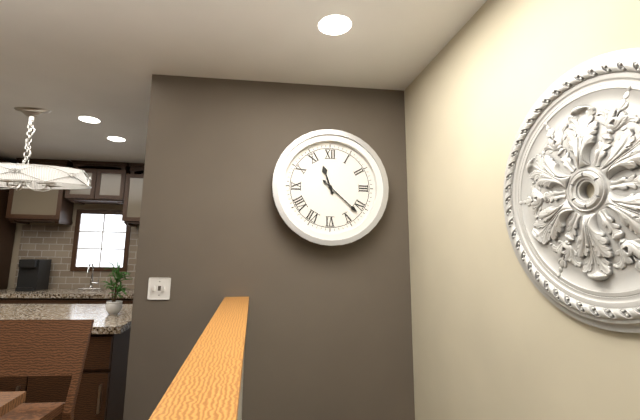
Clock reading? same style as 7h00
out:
11h22
